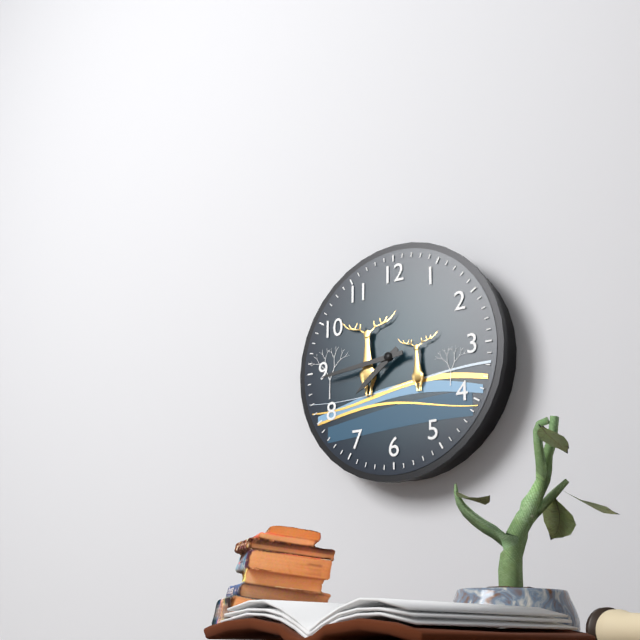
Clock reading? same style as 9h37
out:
7h44
